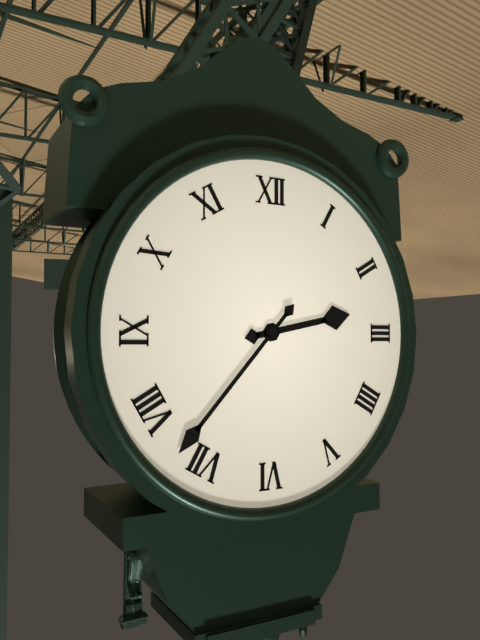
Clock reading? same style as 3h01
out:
2h37
